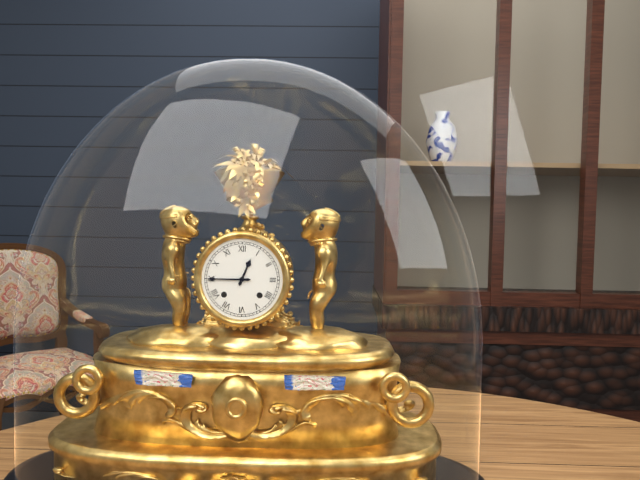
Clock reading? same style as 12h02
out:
12h45
